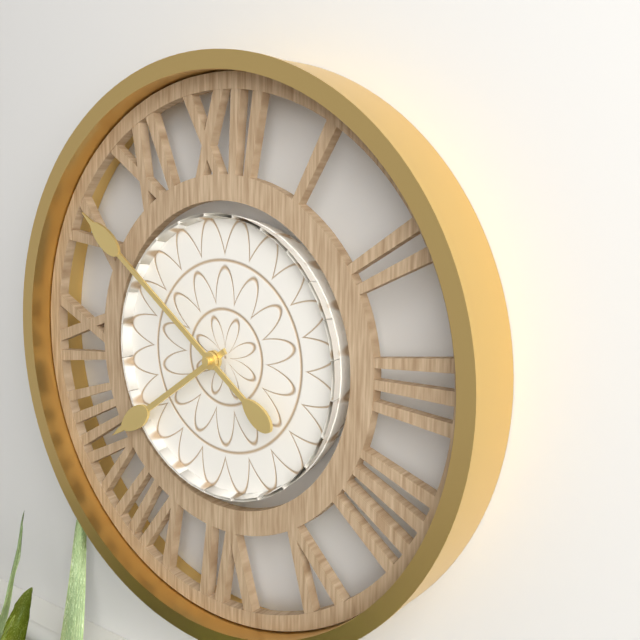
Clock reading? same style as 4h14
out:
7h51
